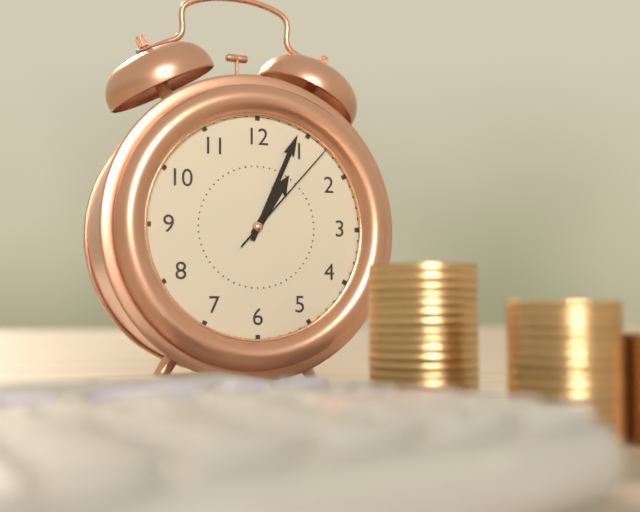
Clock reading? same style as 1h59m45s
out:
1h04m07s
